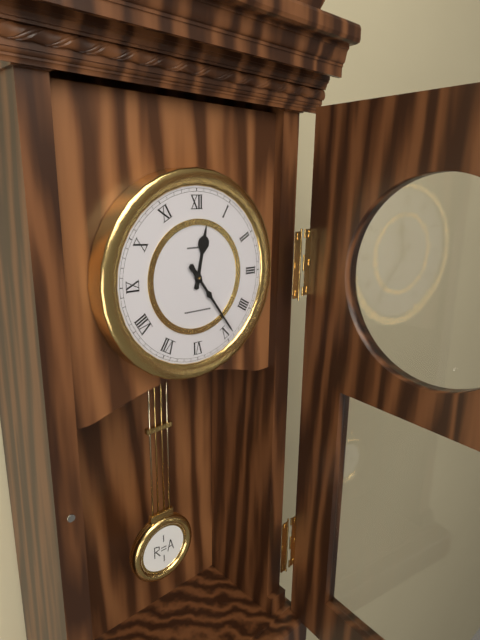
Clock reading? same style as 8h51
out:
12h24
